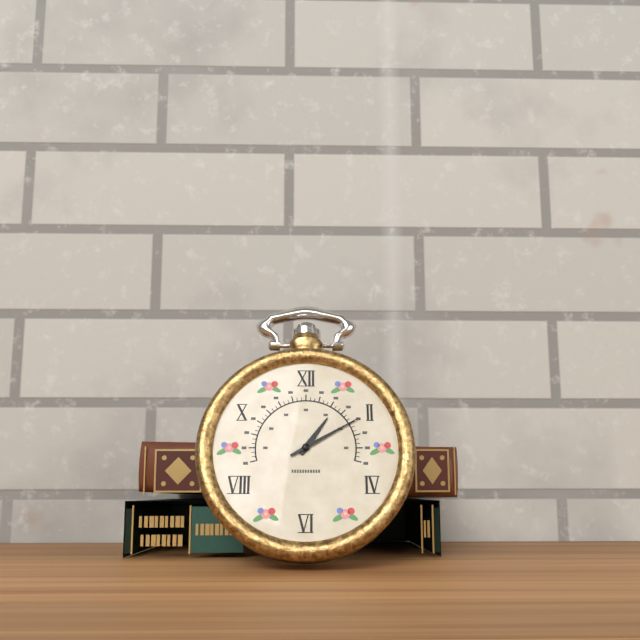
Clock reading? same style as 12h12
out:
1h10
